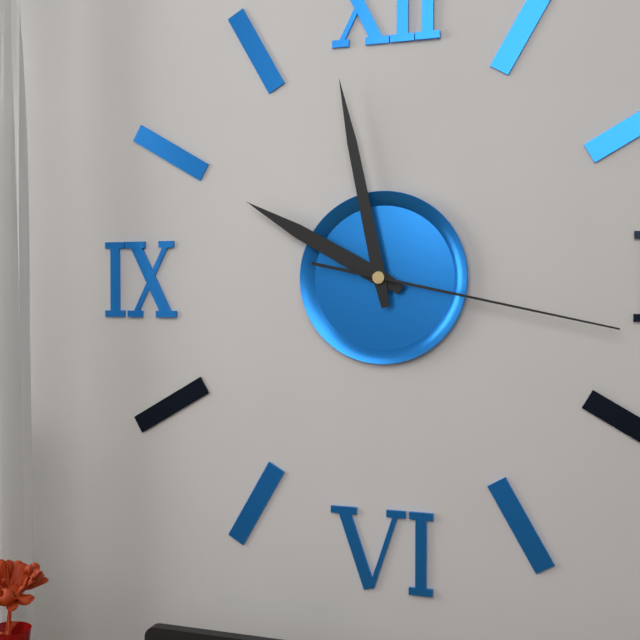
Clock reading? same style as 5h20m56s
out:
9h58m17s
